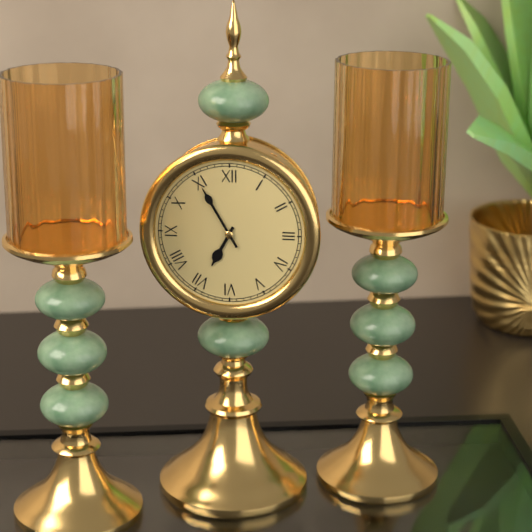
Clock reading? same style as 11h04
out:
6h55
